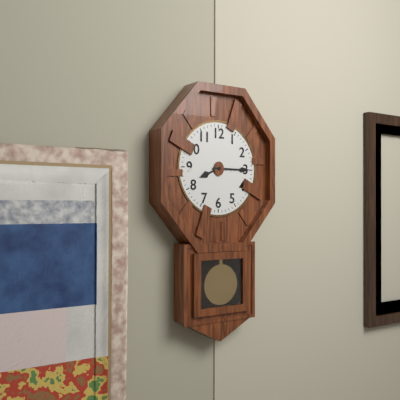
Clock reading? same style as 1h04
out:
8h15
